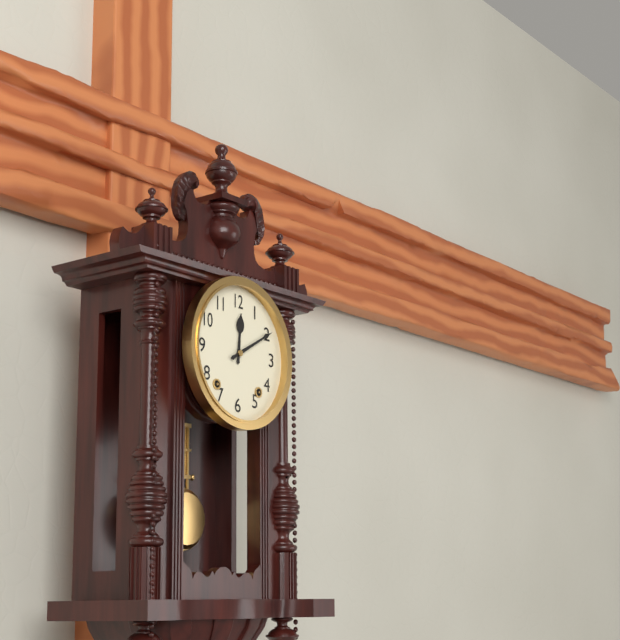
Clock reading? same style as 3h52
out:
12h10
